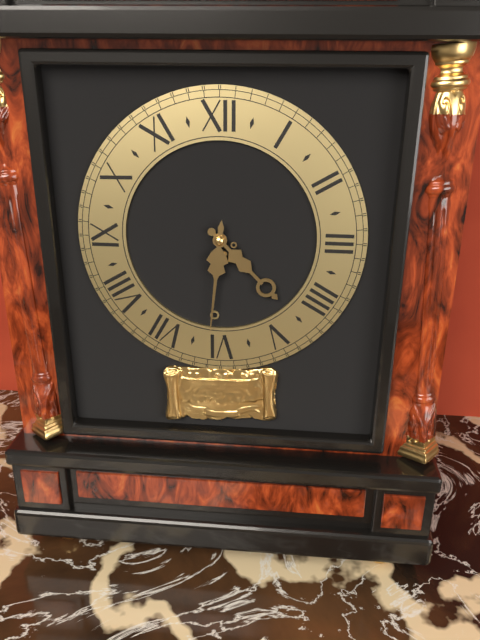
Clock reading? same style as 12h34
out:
4h31
